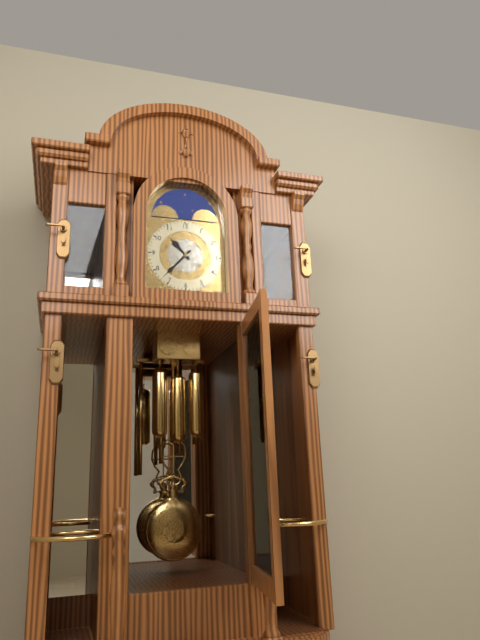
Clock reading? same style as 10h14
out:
10h37
